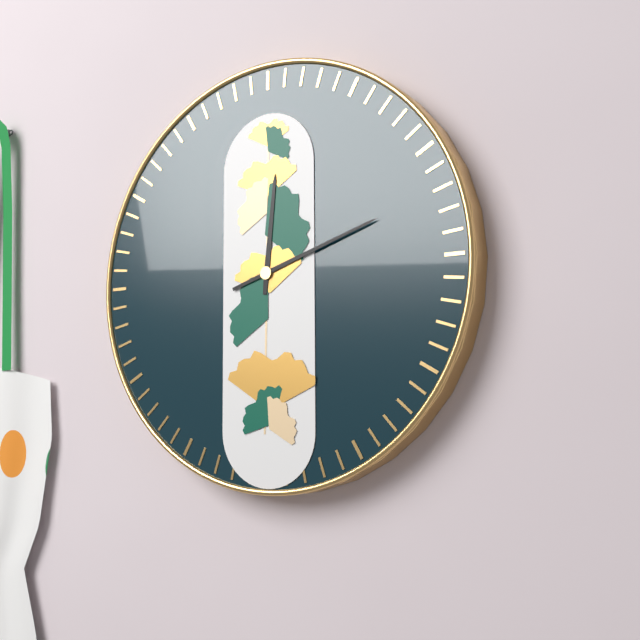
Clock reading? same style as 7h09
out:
12h12
